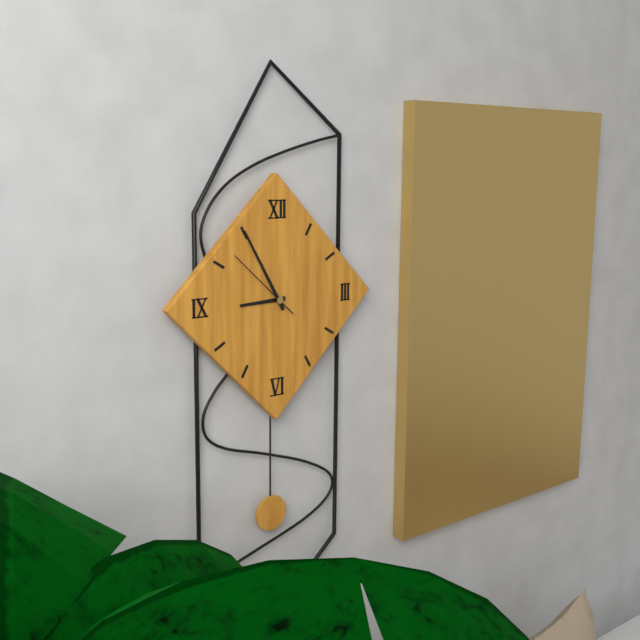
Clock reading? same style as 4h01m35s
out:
8h55m52s
